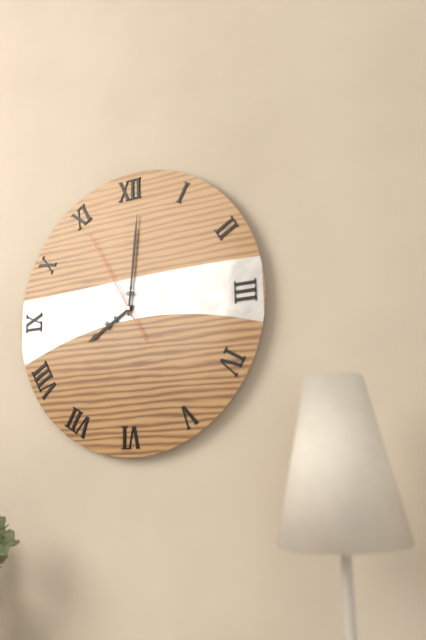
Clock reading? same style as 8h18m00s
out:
8h01m55s
